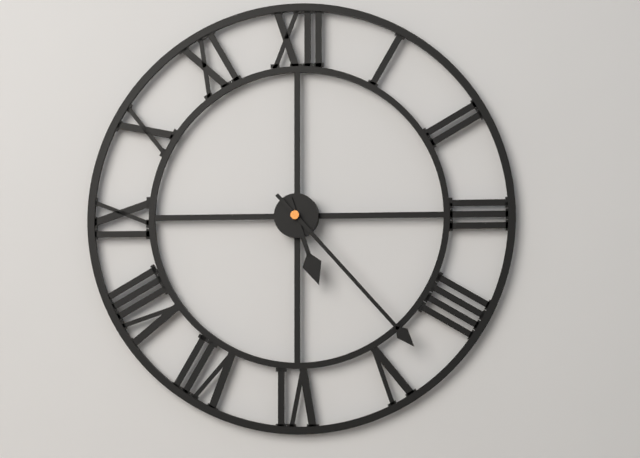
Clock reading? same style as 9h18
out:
5h23
